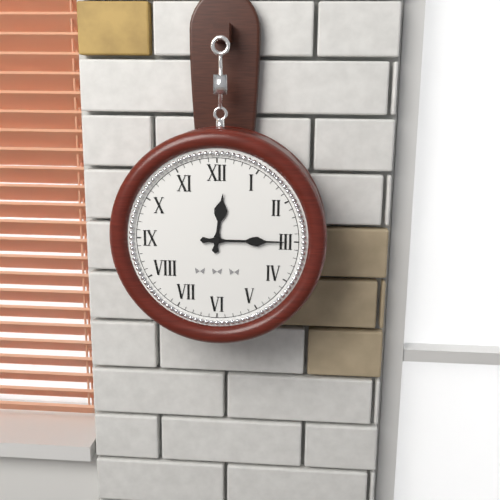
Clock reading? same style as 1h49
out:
12h15
